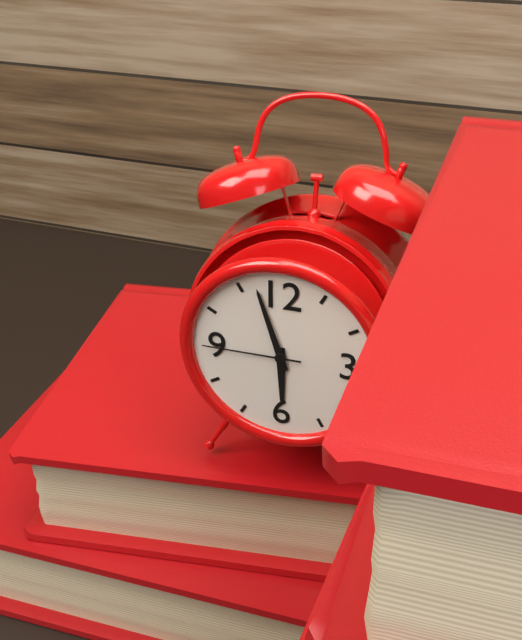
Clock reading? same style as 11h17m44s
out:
5h57m45s
